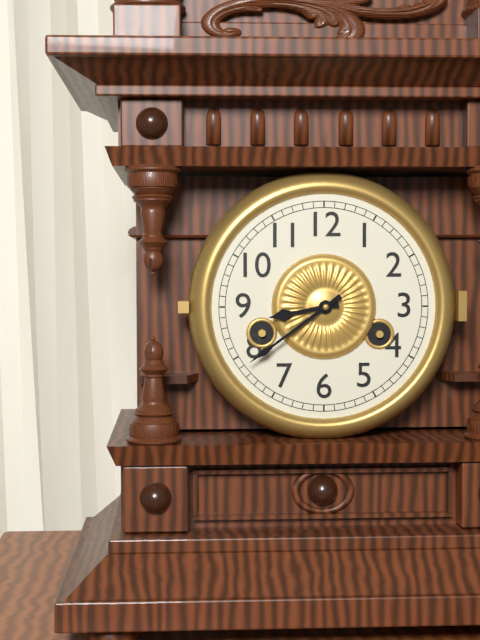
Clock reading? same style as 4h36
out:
8h39
